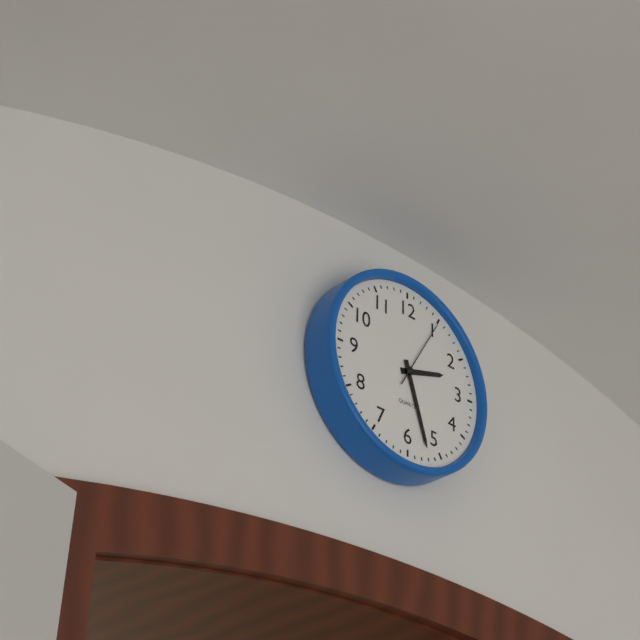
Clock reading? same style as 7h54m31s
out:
2h27m05s
